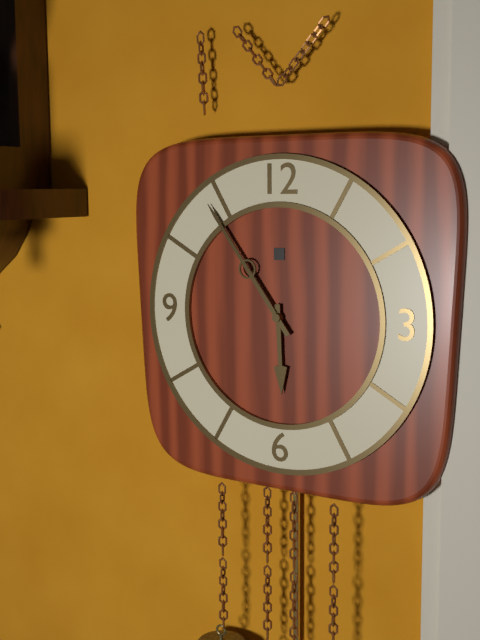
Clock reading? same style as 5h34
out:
5h54
